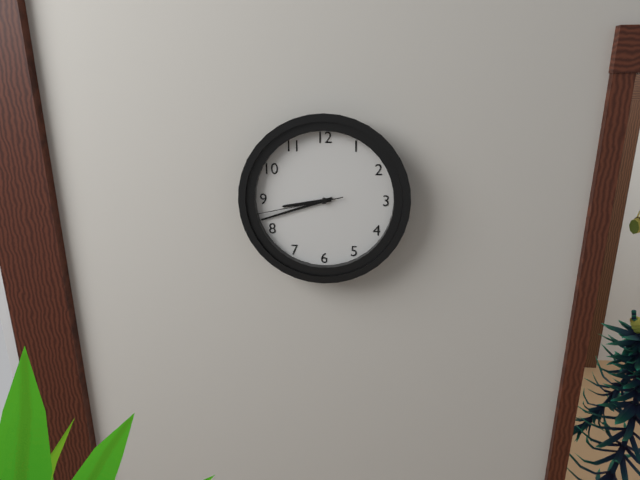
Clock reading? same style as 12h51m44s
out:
8h42m43s
